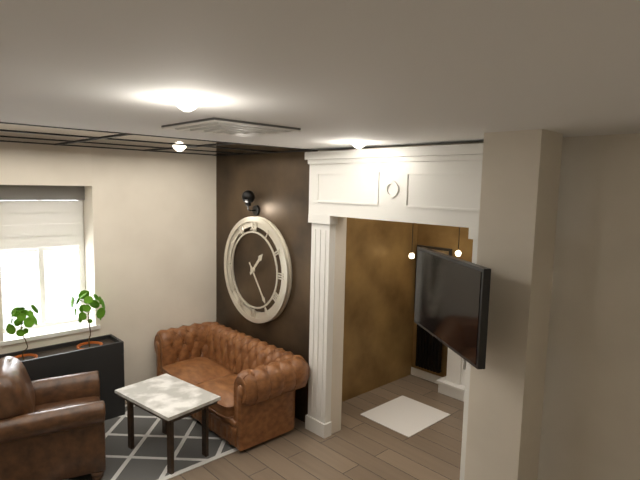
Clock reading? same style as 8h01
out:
1h24
